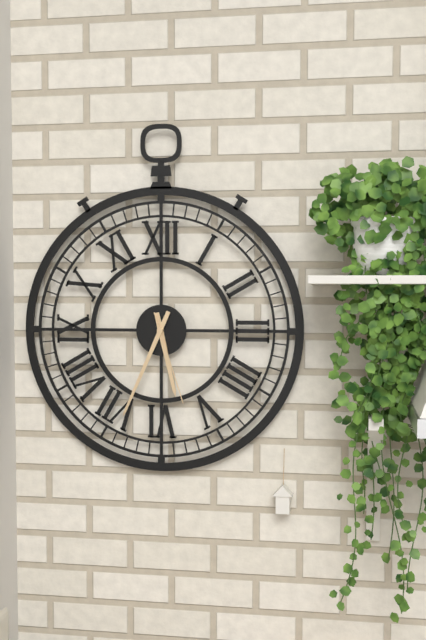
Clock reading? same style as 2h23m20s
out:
5h34m27s
